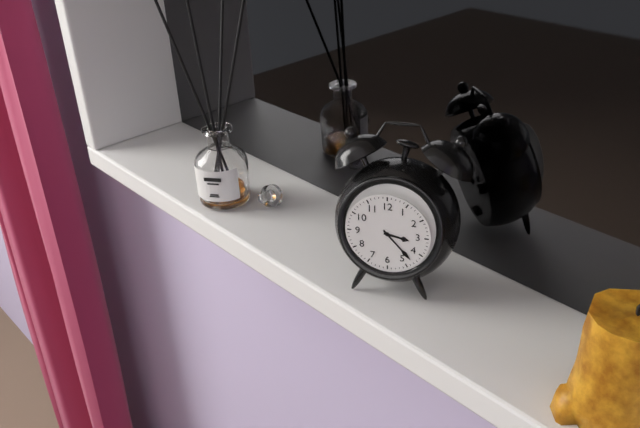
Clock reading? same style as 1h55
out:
3h23
